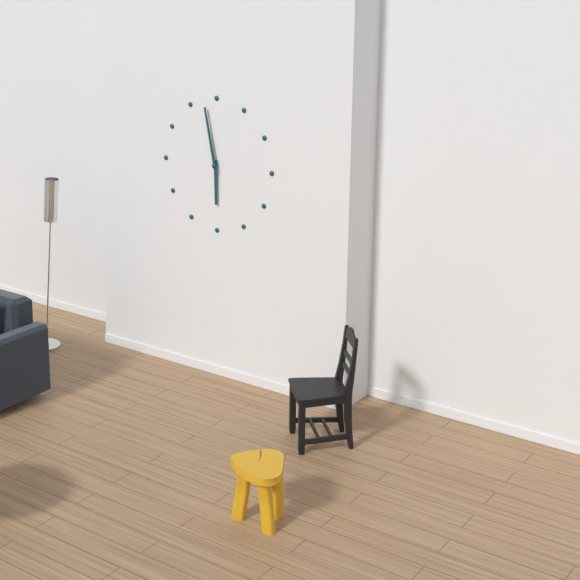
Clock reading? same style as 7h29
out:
5h58
